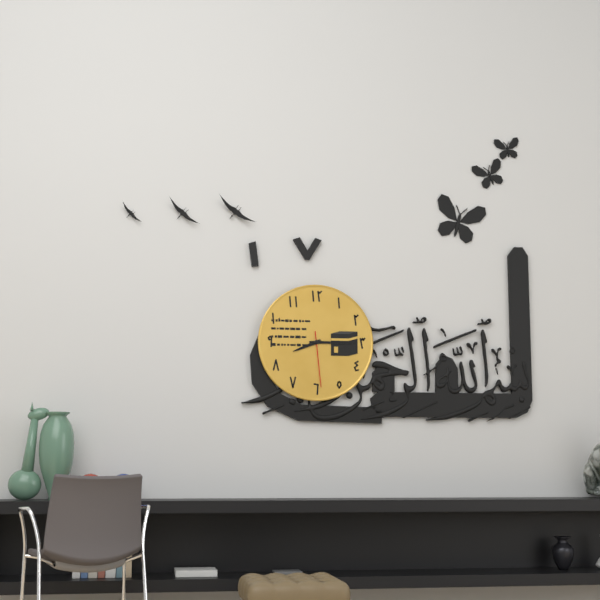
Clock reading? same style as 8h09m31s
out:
8h15m29s
